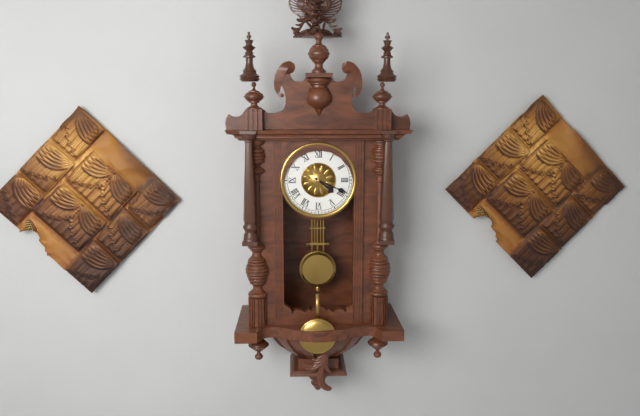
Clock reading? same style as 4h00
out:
4h19
